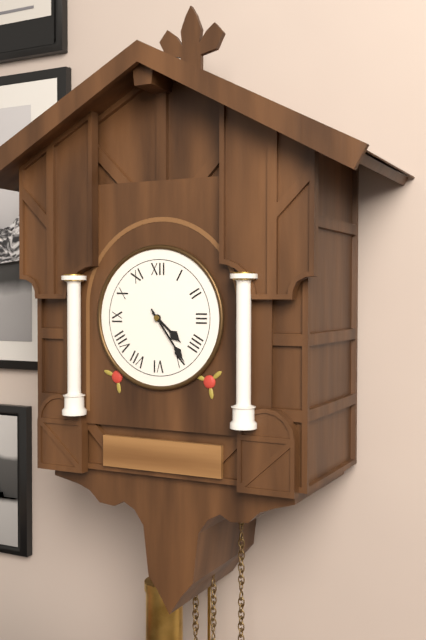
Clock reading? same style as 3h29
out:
4h24
